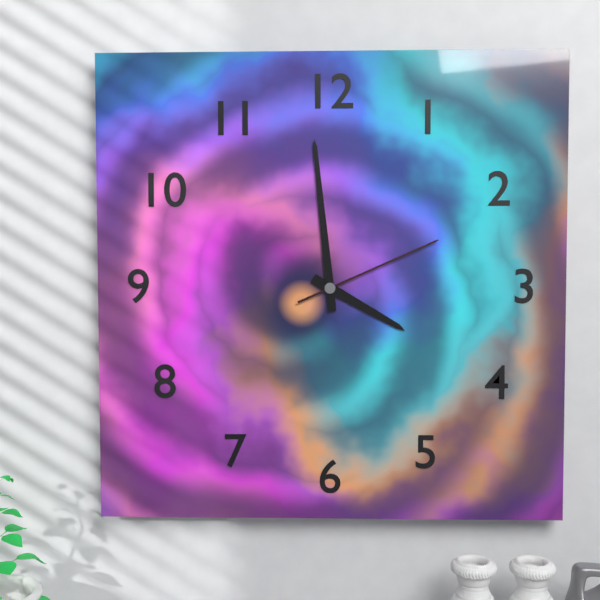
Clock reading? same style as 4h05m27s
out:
3h59m11s
